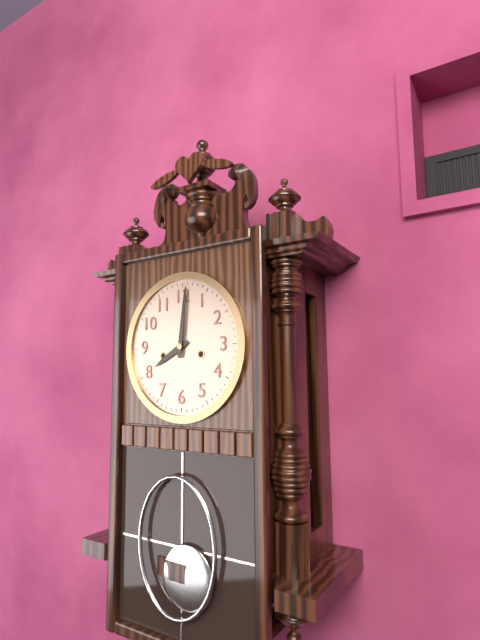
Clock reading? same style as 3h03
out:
8h01
